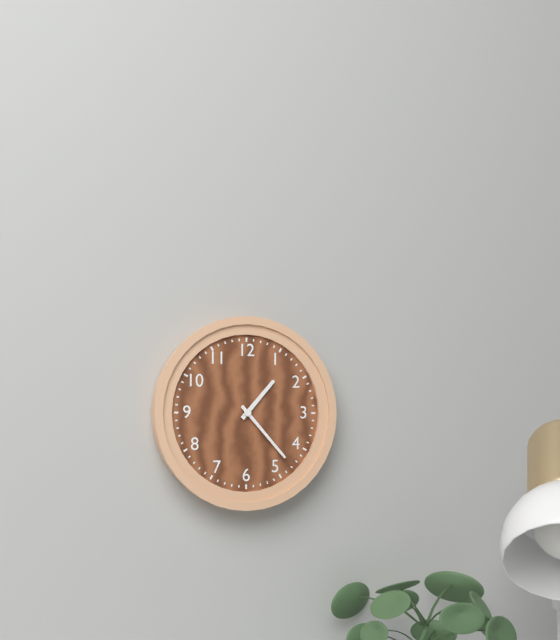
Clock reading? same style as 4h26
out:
1h23
